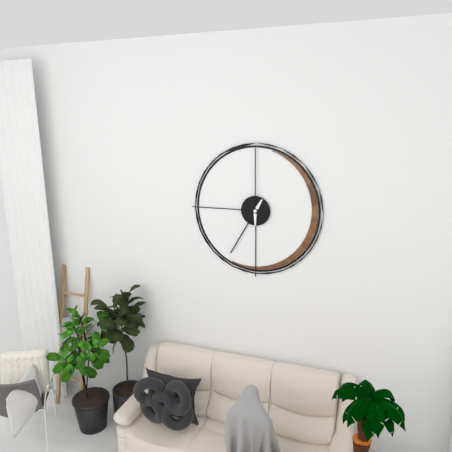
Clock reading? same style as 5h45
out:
7h00
